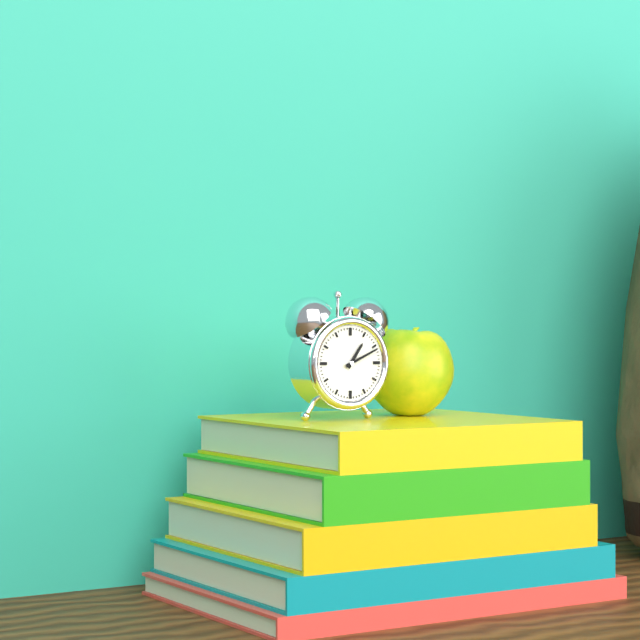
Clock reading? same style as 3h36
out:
1h11
